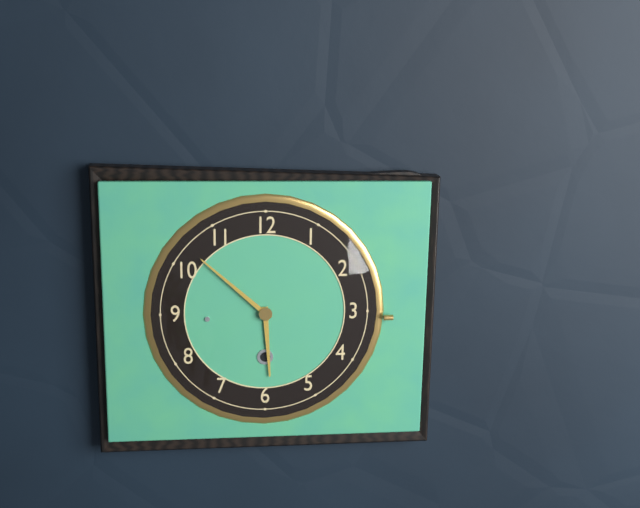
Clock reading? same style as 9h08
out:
5h52
